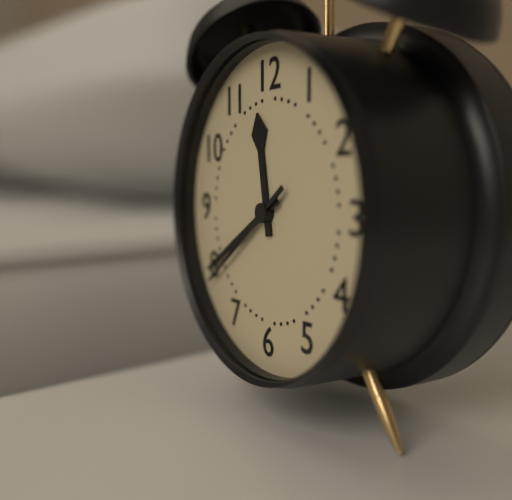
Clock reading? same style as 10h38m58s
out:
11h40m39s
